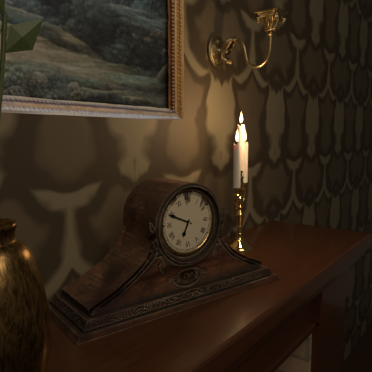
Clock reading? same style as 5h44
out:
6h49
